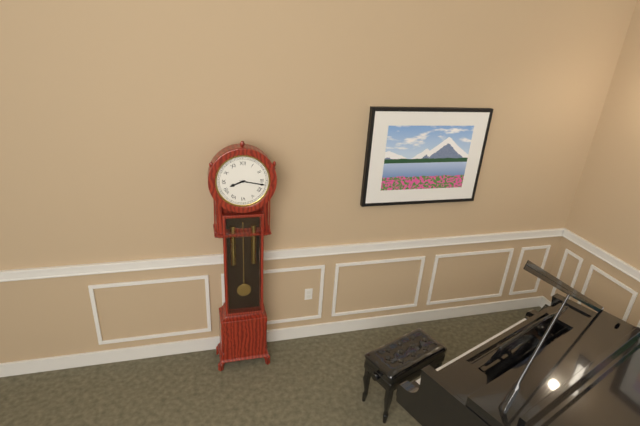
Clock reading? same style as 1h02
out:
8h17
